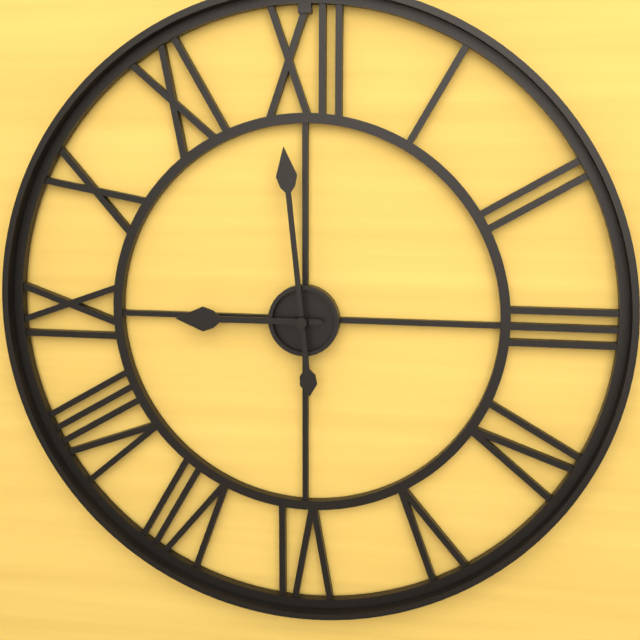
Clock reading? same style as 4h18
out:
8h59
